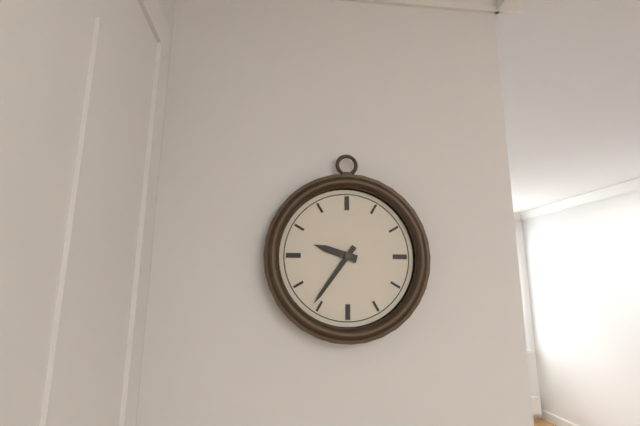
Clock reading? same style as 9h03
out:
9h36
